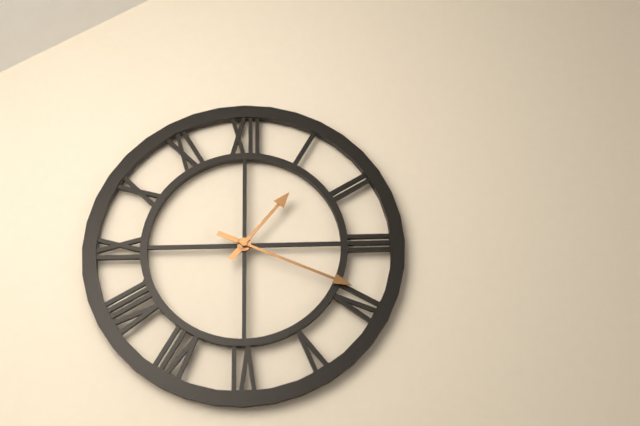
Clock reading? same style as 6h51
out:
1h19
